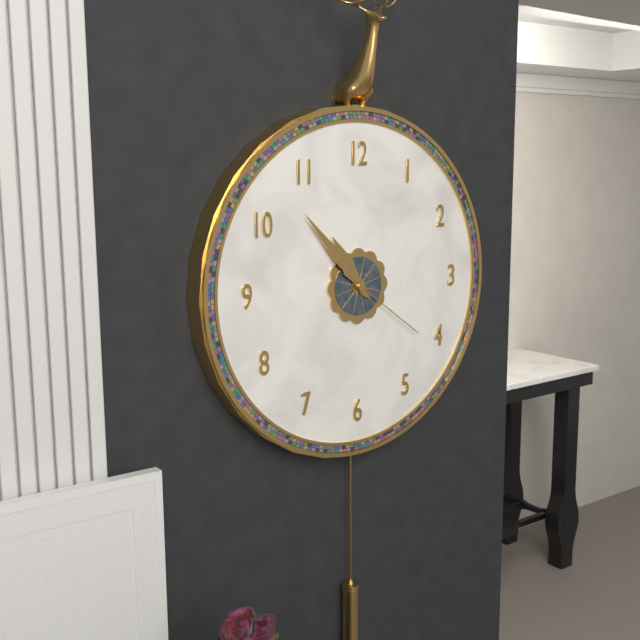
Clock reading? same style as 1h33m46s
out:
10h53m21s
